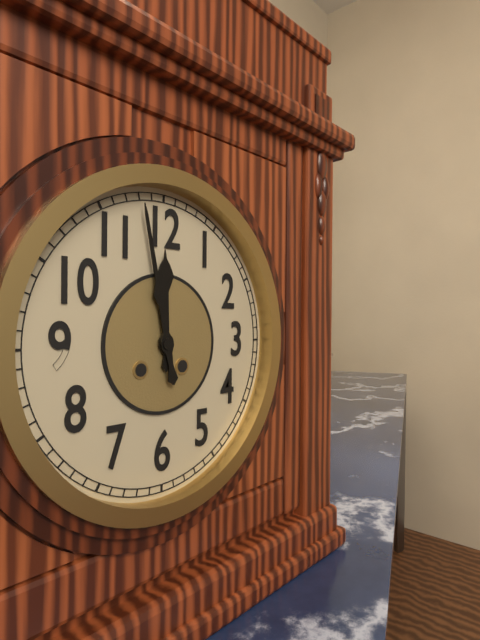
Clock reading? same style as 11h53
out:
11h58
